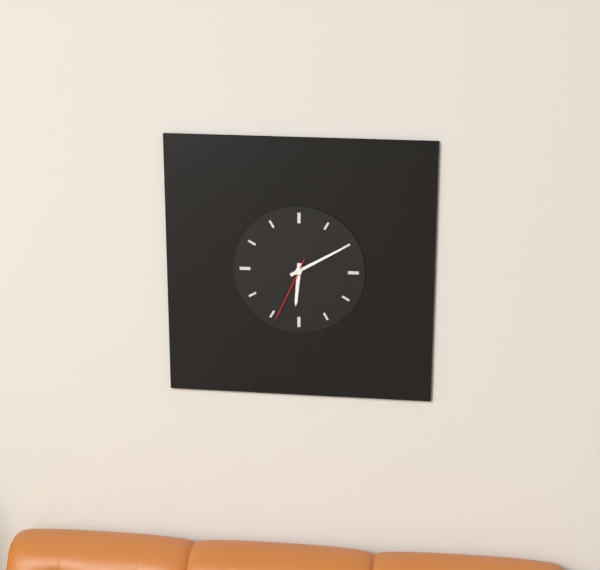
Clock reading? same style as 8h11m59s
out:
6h10m34s
